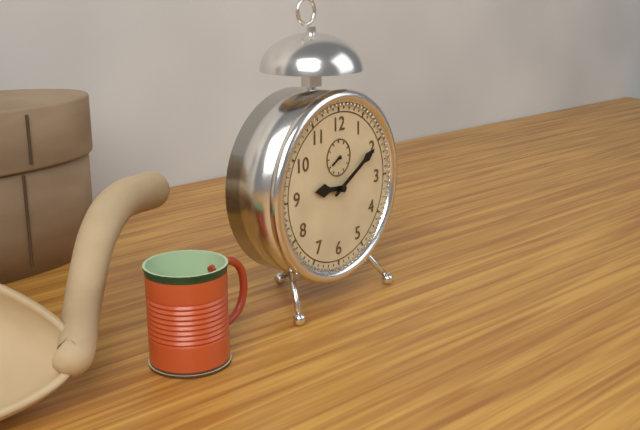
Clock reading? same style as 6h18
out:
9h10
